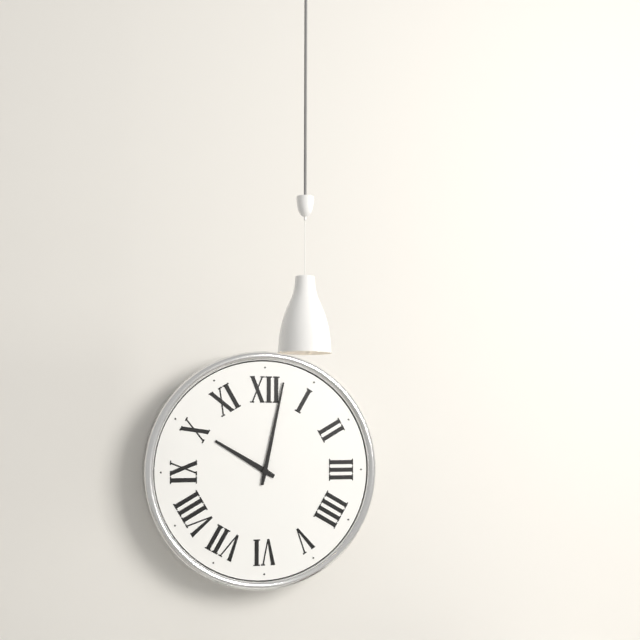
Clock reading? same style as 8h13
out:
10h02
